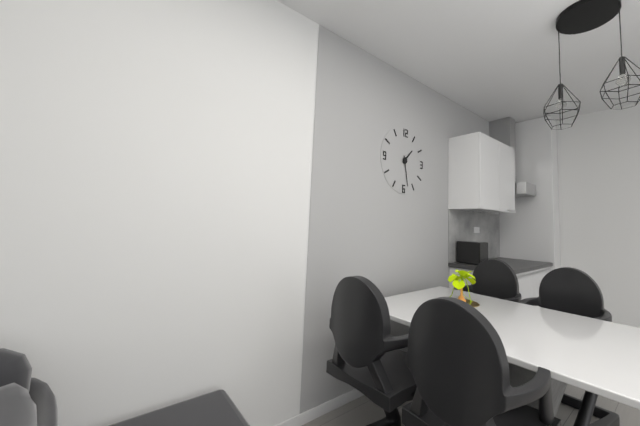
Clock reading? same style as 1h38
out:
1h28
